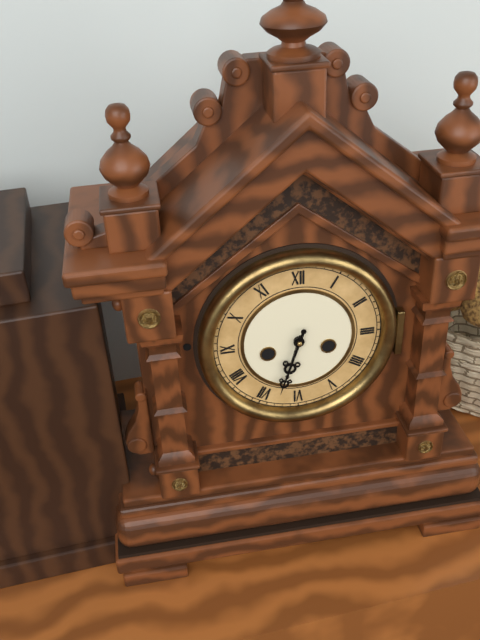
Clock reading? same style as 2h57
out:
6h33
